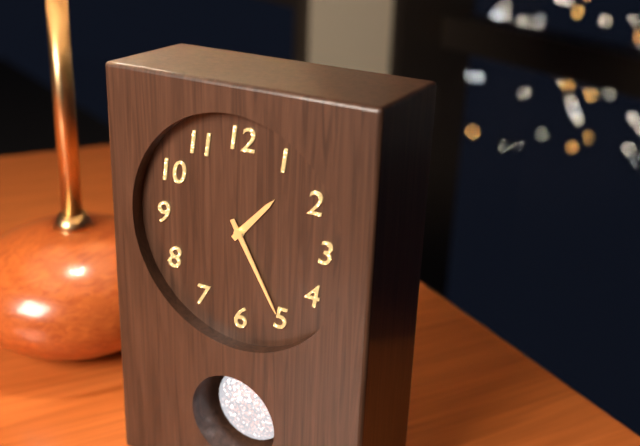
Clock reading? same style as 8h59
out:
1h25
